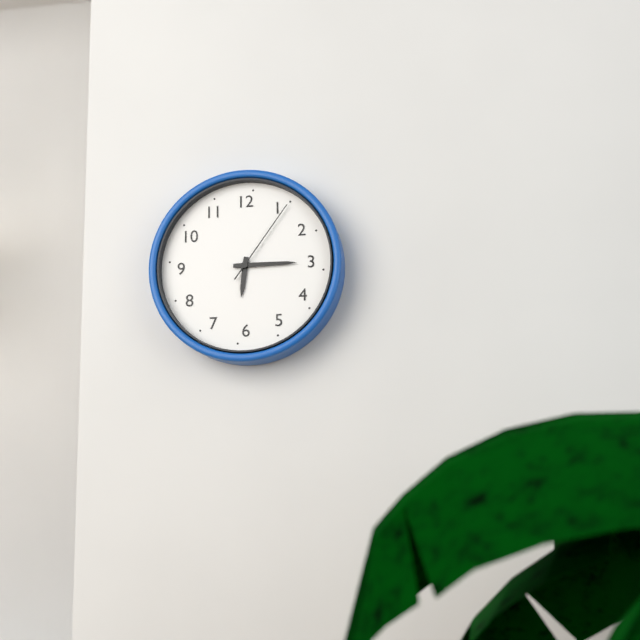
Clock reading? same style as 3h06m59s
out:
6h15m06s
